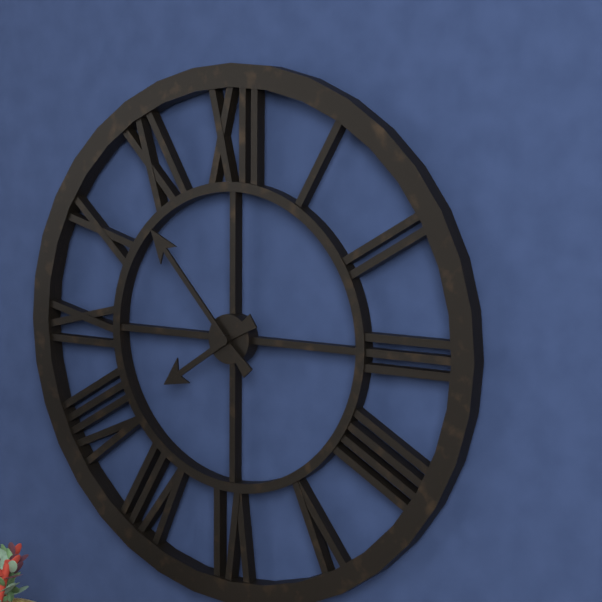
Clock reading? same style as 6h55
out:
7h53
